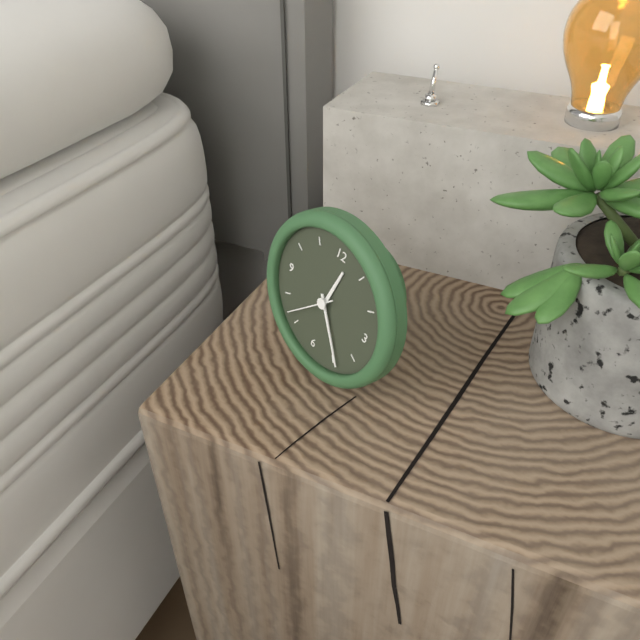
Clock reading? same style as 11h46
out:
12h24
